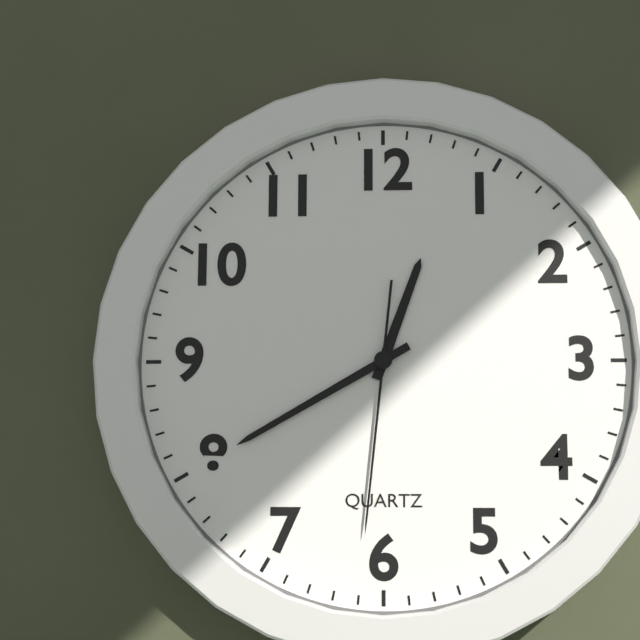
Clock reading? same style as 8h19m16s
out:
12h40m31s
